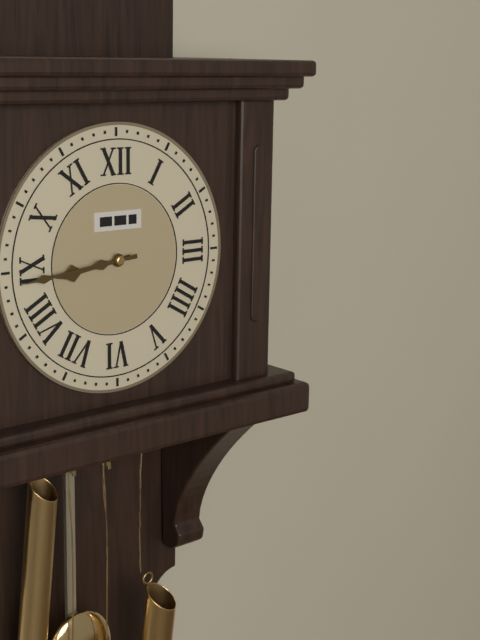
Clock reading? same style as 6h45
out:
8h44
